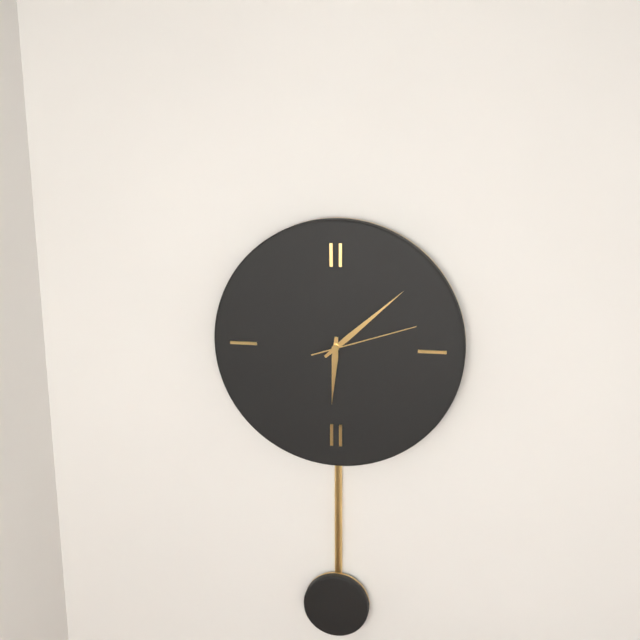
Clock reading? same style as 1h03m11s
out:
6h08m12s
